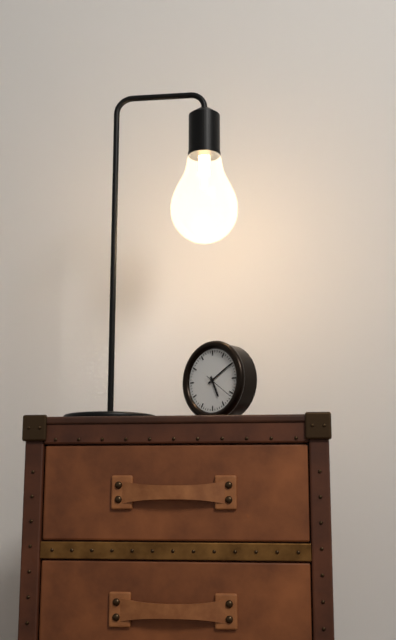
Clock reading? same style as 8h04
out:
5h10
